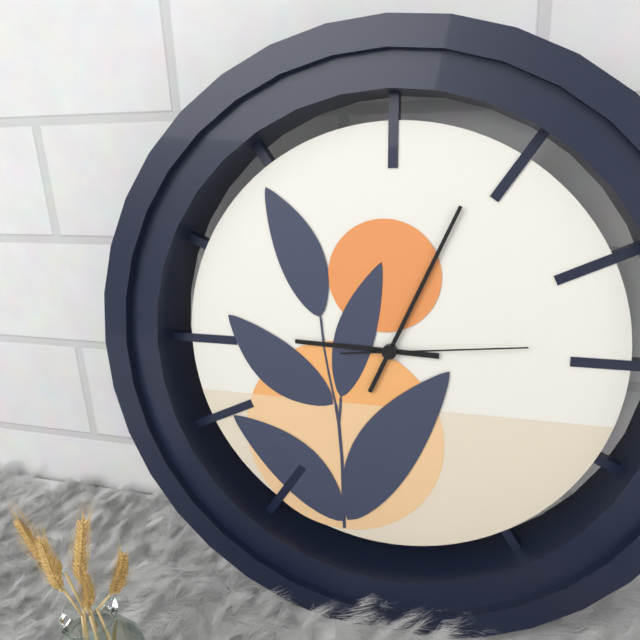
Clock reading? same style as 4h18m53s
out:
9h04m14s
